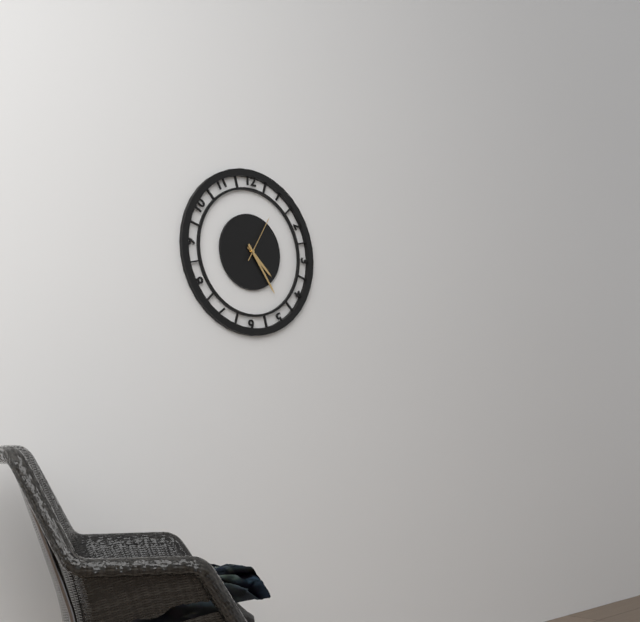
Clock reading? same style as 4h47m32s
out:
4h24m05s
